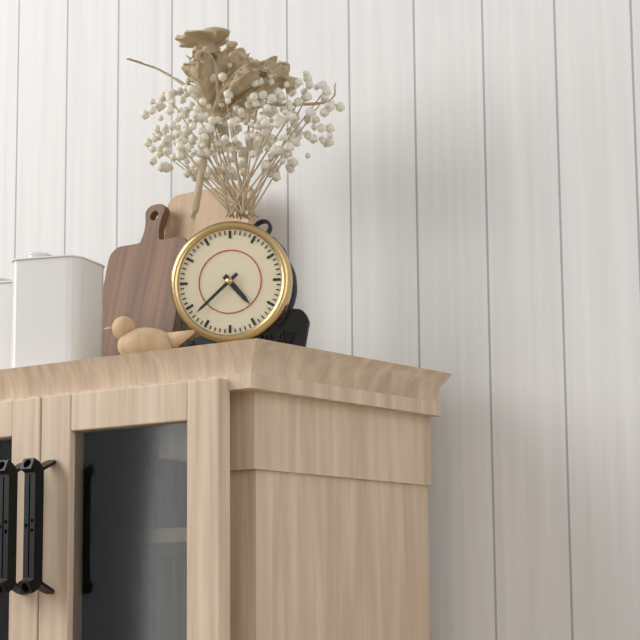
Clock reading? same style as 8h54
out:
4h38
